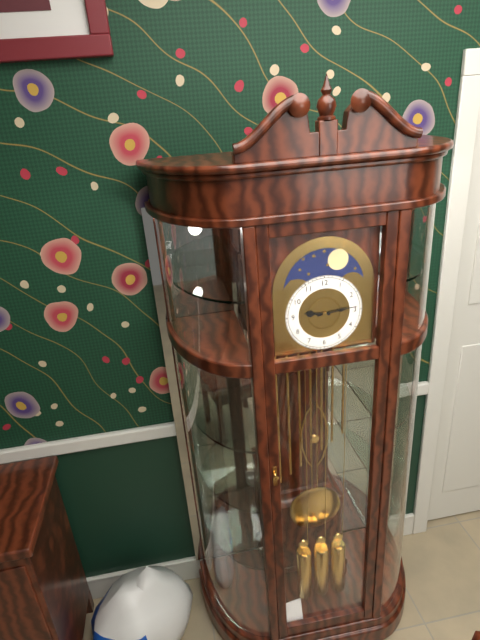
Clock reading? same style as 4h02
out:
9h14
